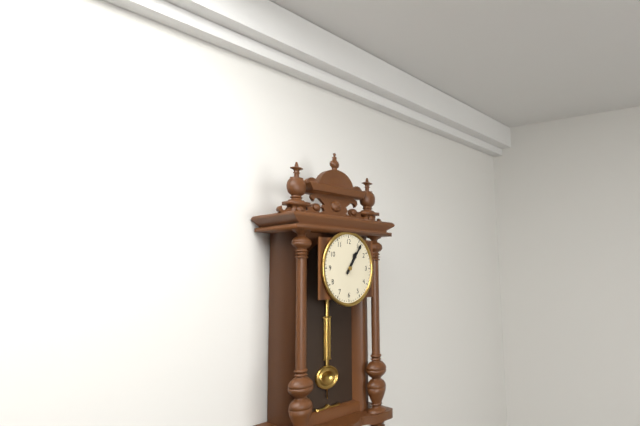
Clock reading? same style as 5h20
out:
1h06
